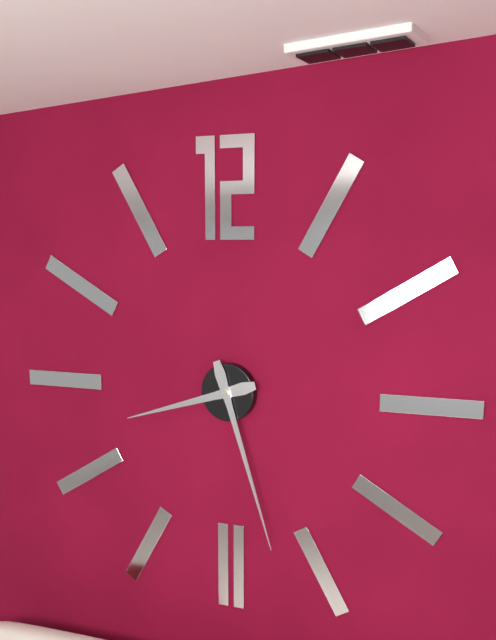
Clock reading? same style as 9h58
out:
8h27
